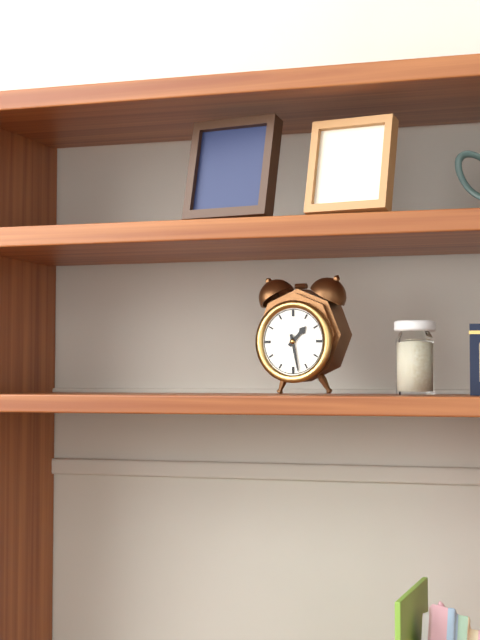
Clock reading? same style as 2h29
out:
1h28
